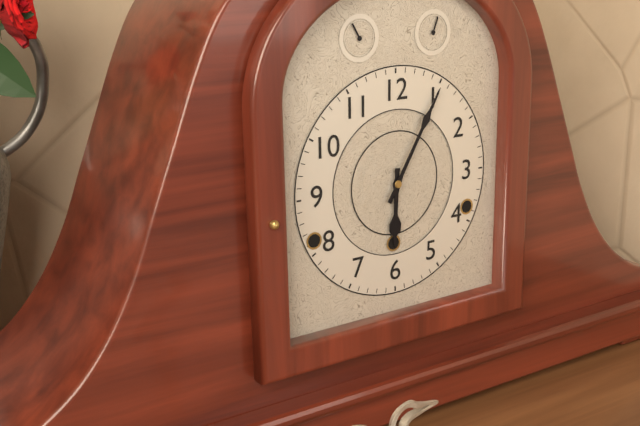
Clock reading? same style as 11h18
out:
6h05
